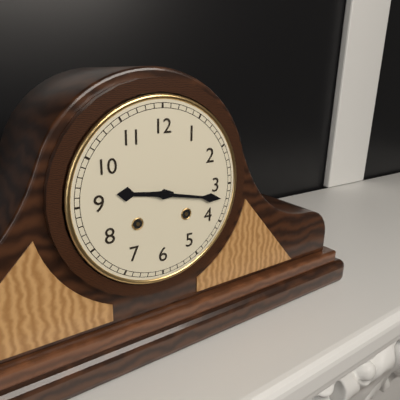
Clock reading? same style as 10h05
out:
9h17
